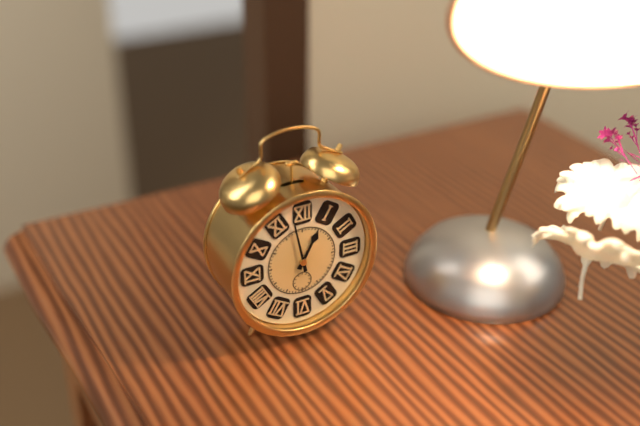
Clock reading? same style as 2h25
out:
12h58
